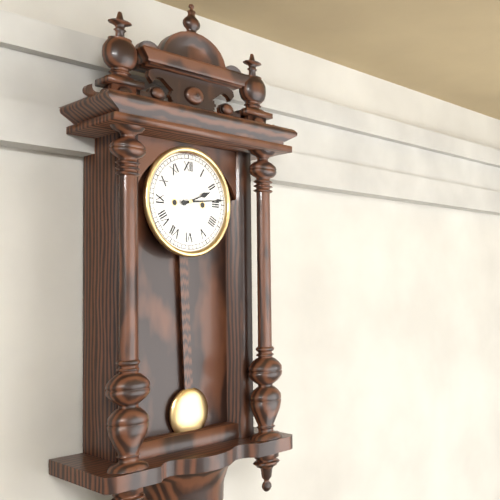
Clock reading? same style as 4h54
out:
2h14
